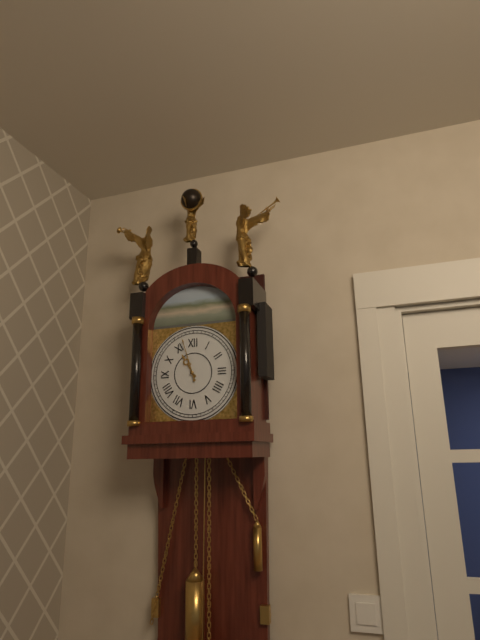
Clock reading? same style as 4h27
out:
10h57
